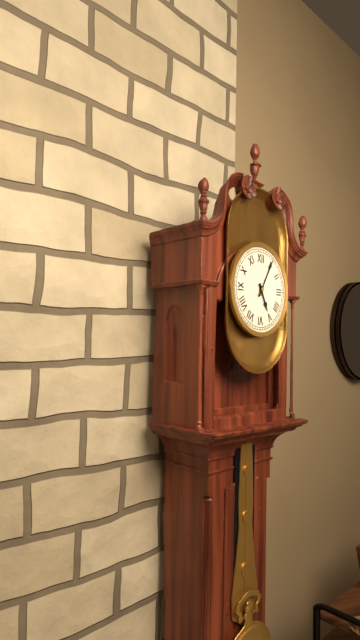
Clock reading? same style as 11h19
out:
5h05
